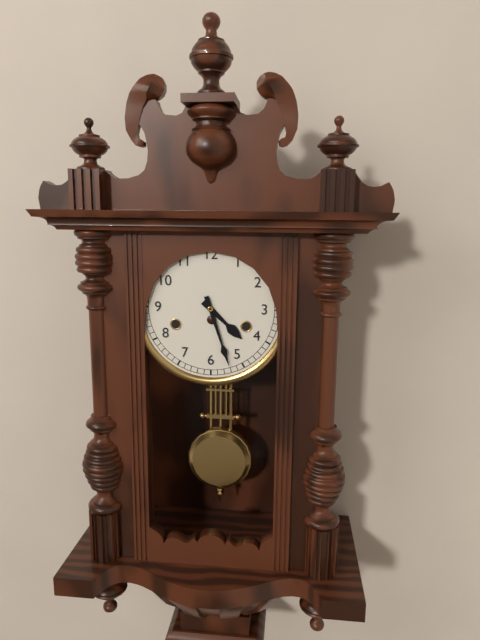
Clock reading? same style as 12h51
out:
4h27
